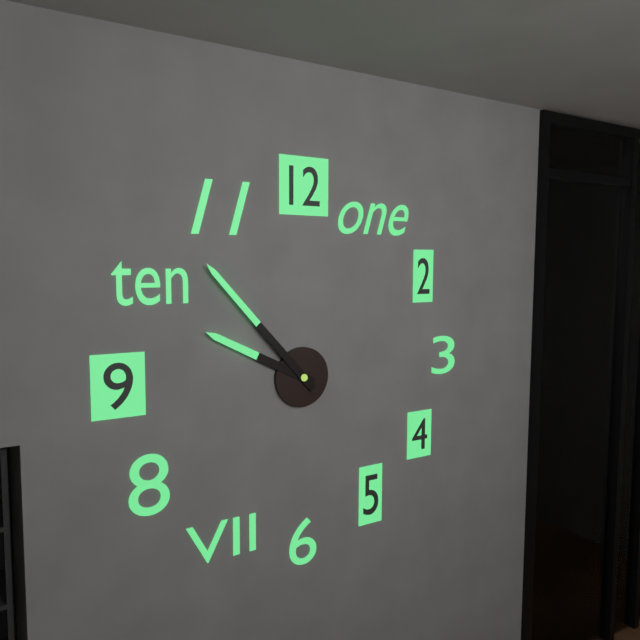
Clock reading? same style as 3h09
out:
9h53
